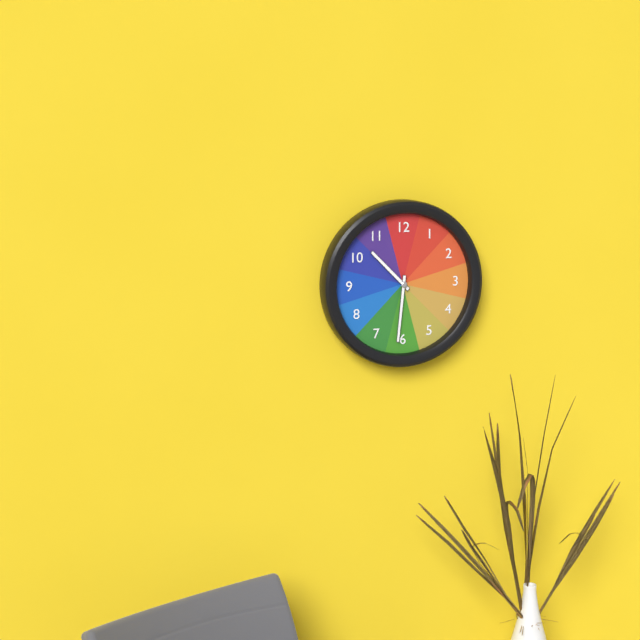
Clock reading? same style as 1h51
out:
10h31
